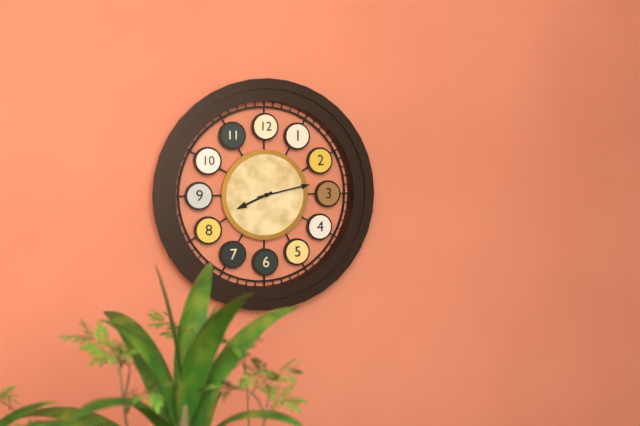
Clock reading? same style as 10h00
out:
8h13
